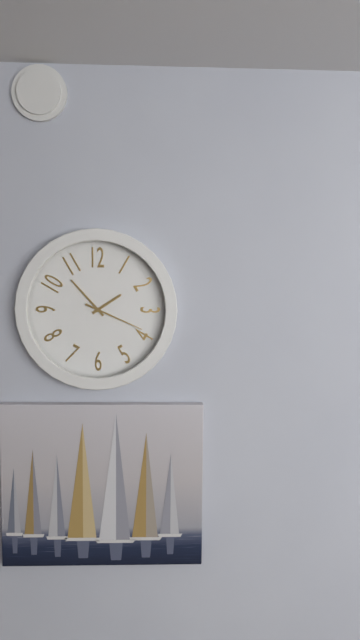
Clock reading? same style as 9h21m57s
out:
1h53m19s
